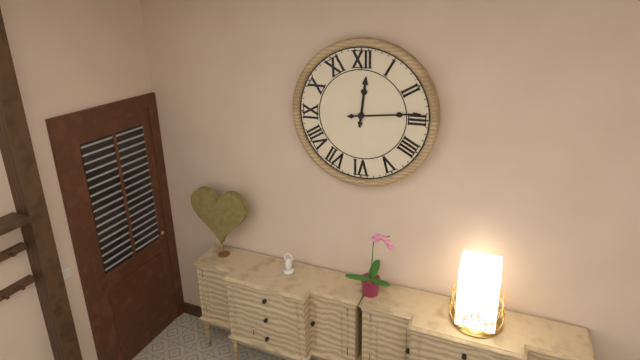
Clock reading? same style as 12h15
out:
12h14
